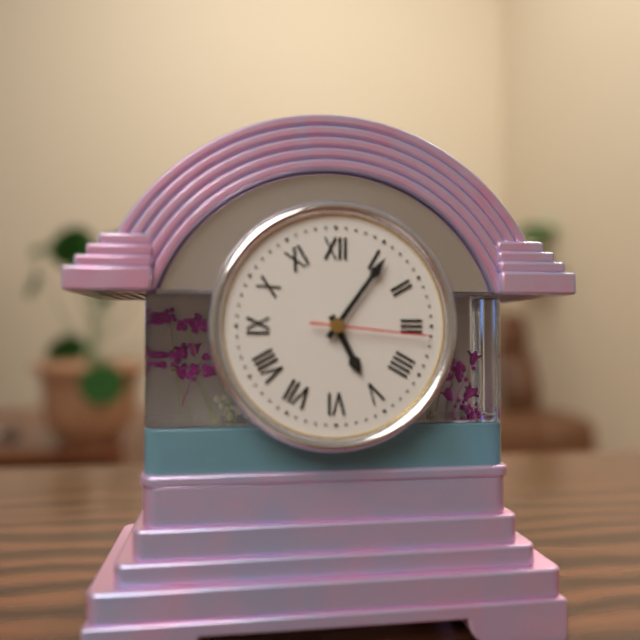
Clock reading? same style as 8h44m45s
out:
5h06m16s
